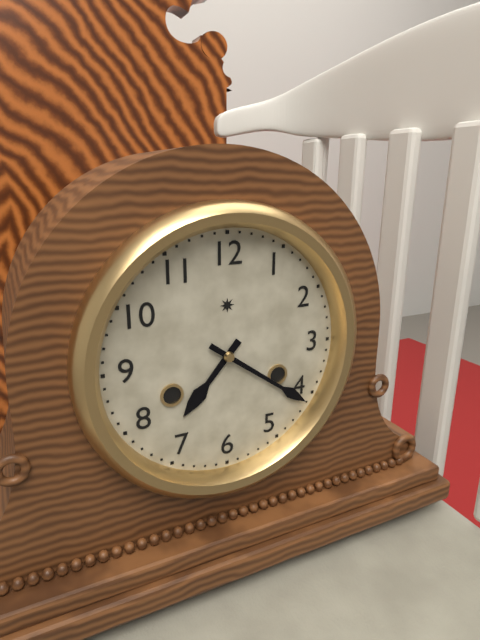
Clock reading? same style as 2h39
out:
7h21
